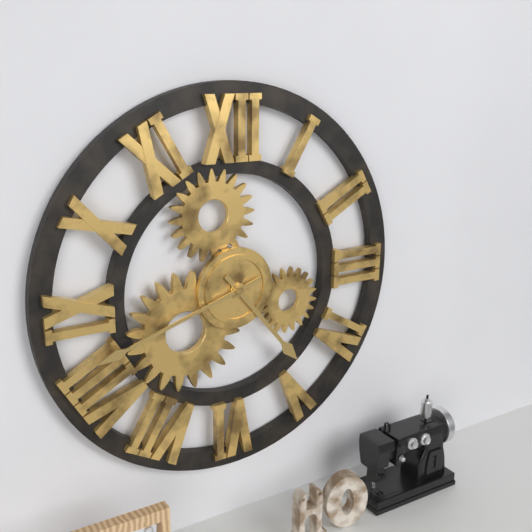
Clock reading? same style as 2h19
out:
4h42
